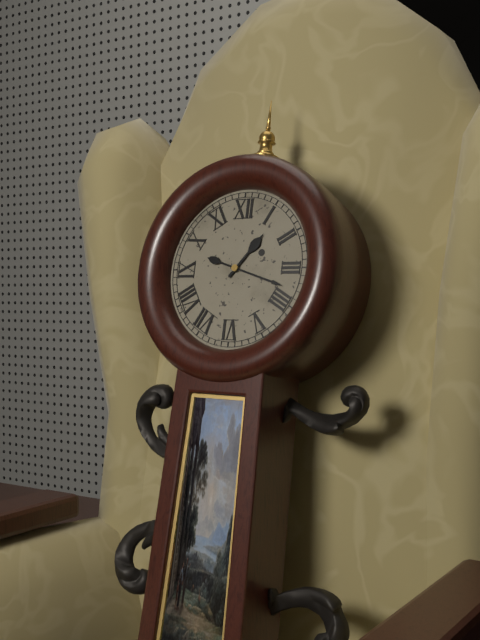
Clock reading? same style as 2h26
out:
1h18
